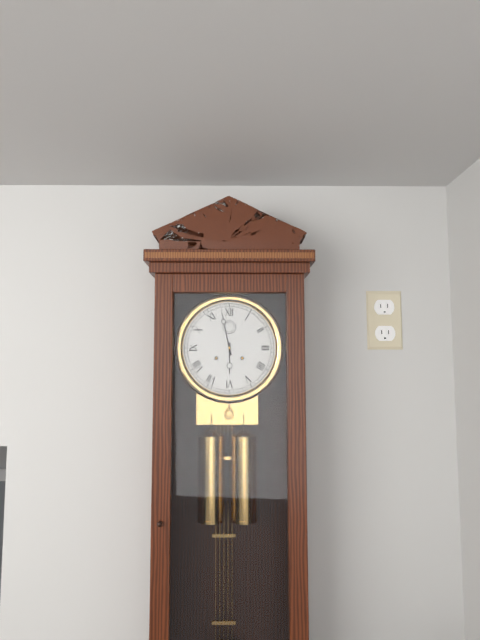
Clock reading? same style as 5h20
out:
5h58
